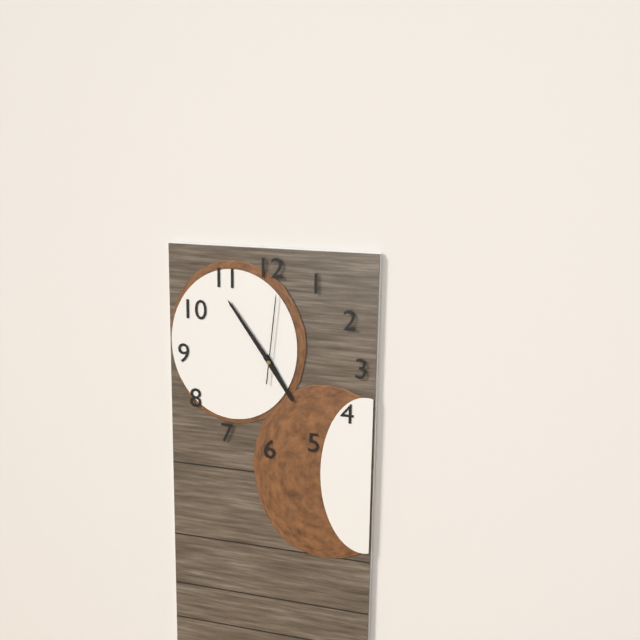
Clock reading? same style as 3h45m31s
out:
4h54m01s
